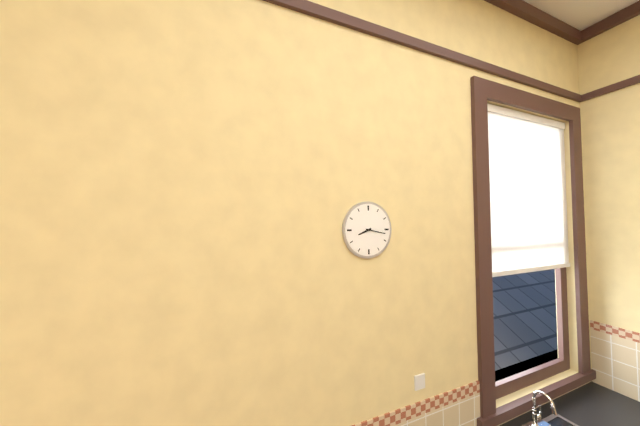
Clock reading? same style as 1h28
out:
8h17
